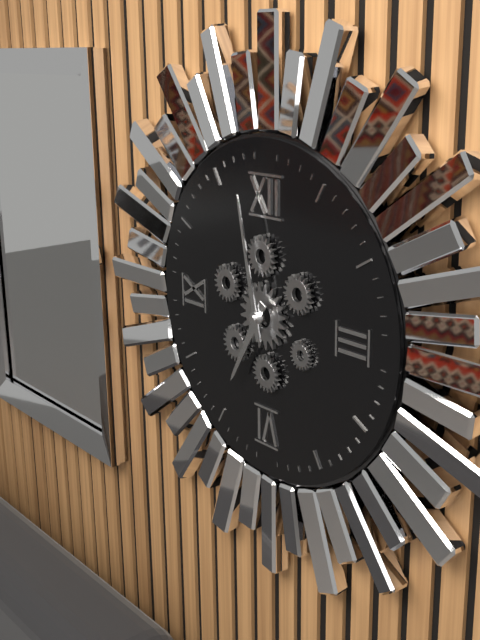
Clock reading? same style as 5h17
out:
6h58
